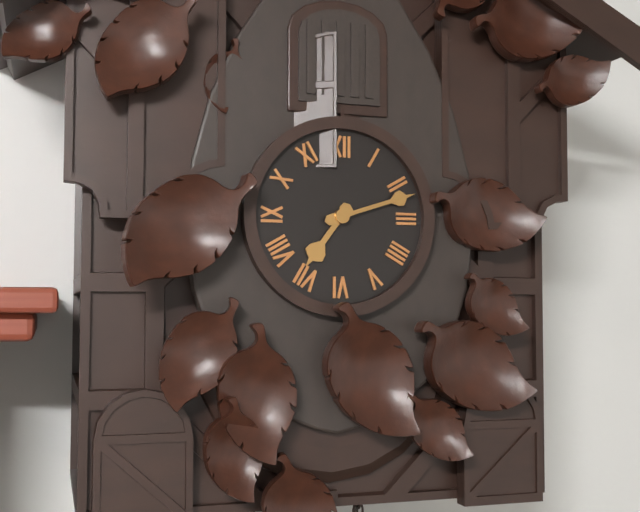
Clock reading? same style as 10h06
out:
7h12
